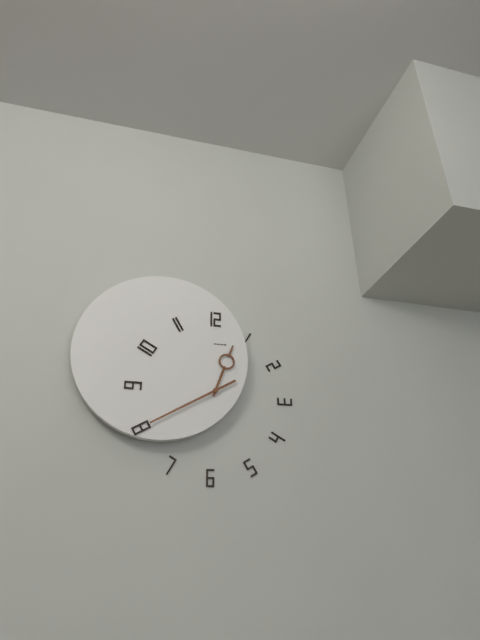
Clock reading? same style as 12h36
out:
12h40
